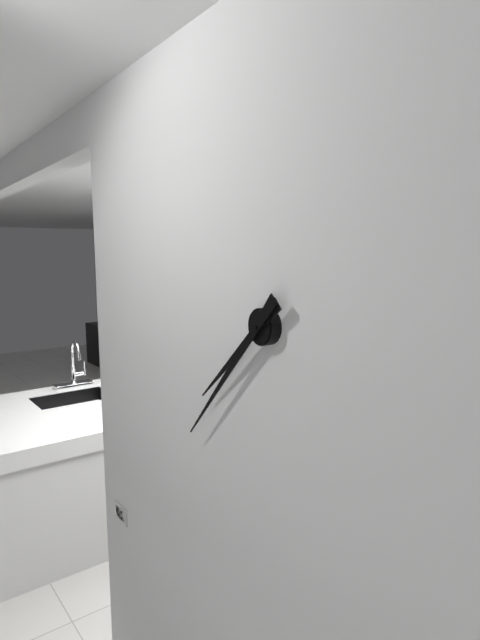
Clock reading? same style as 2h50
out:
7h37
